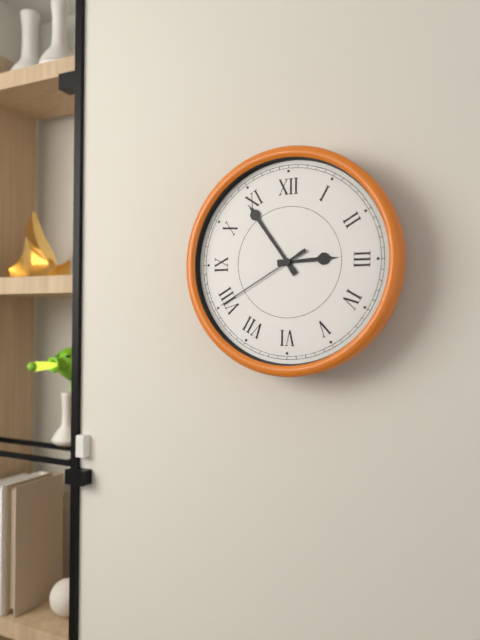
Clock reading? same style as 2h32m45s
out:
2h54m40s
